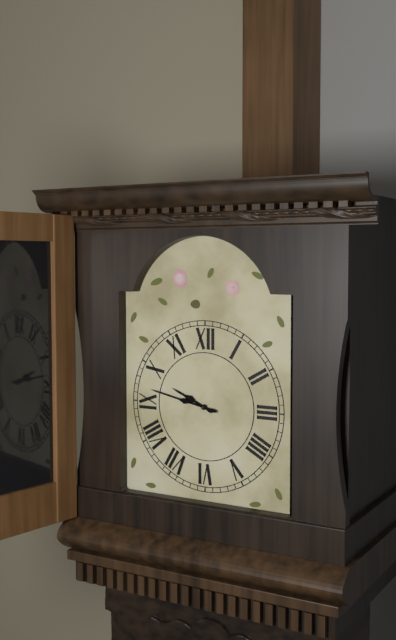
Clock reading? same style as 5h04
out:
9h47
